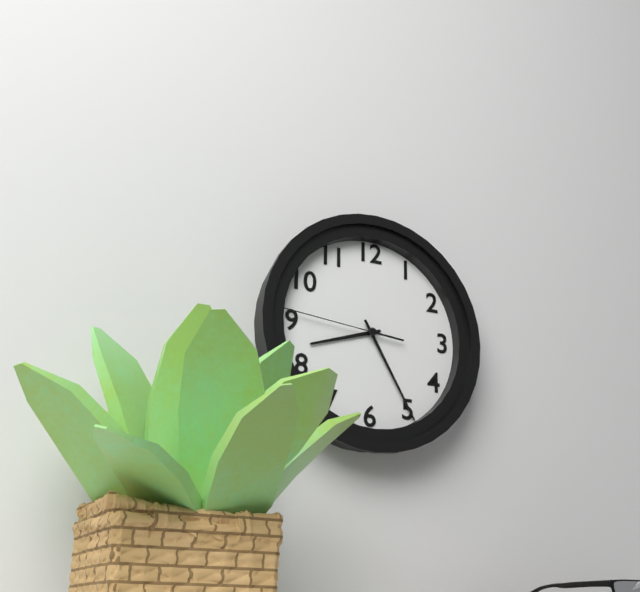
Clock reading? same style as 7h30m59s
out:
8h25m46s
